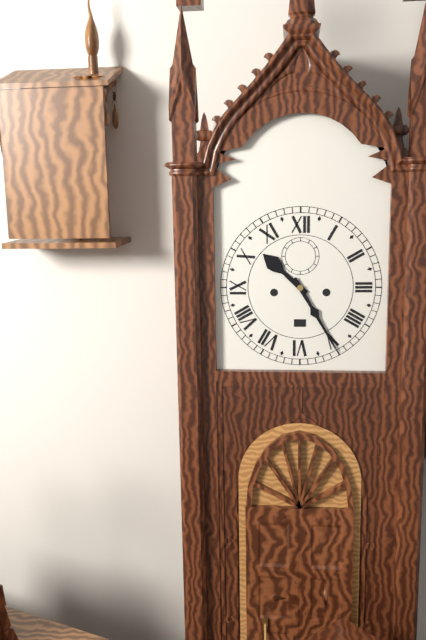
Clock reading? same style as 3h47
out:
10h25
